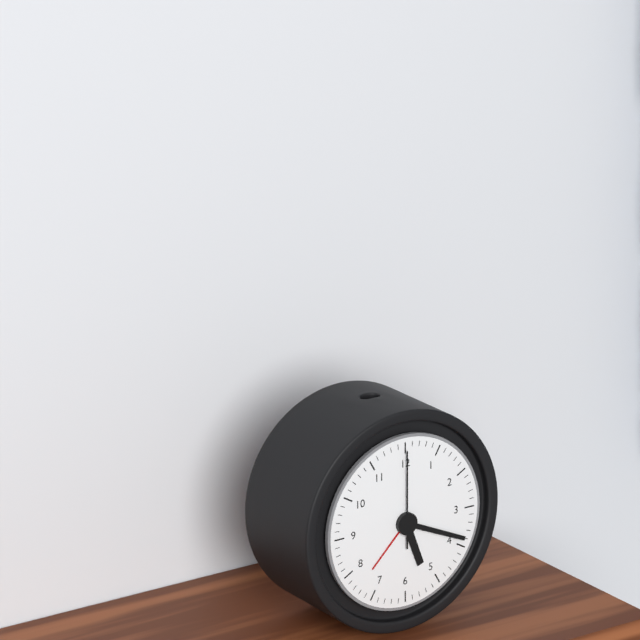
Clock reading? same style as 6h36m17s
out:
5h19m00s
